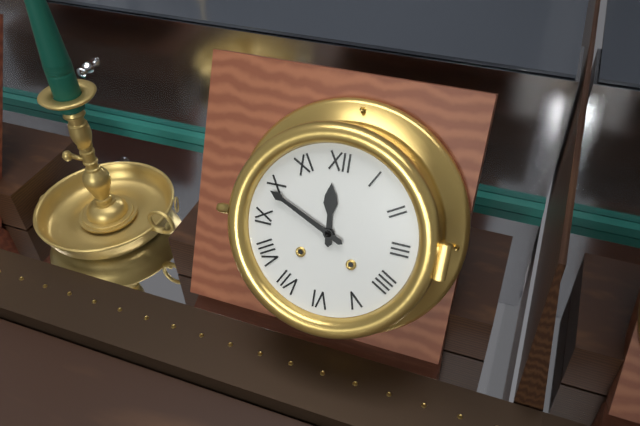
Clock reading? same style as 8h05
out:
11h49
